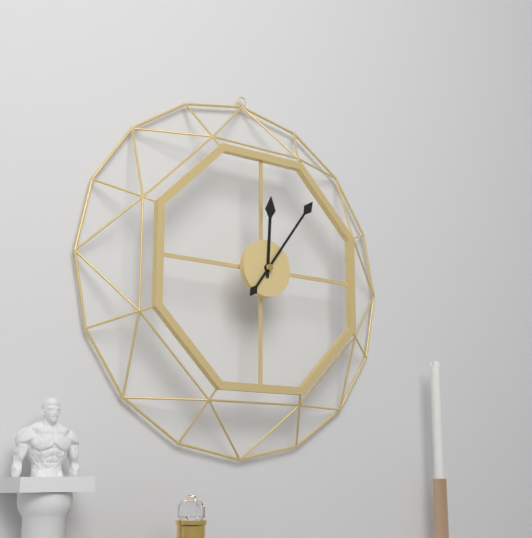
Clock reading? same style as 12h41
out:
12h06
